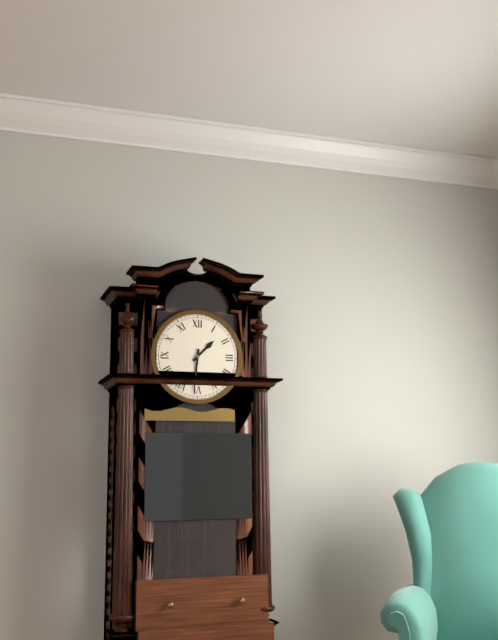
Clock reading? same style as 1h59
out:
1h31
